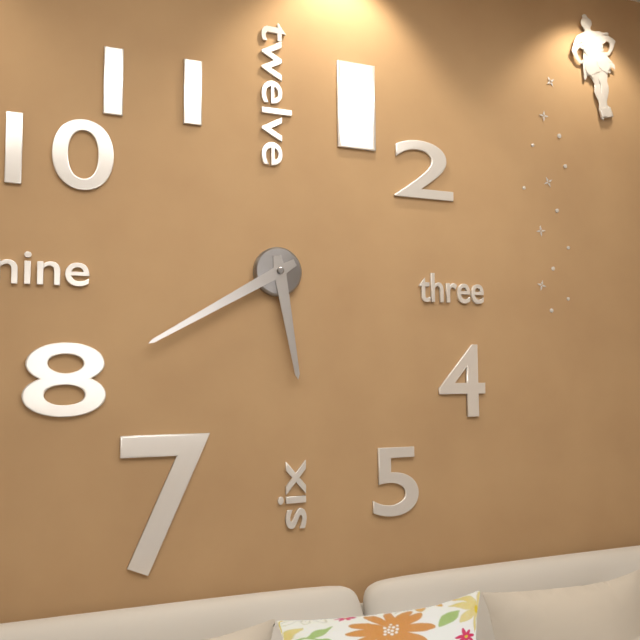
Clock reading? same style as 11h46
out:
5h40
